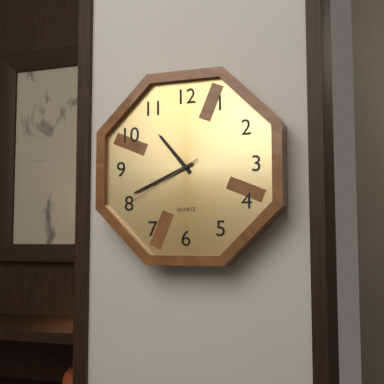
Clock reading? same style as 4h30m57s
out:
10h41m40s
